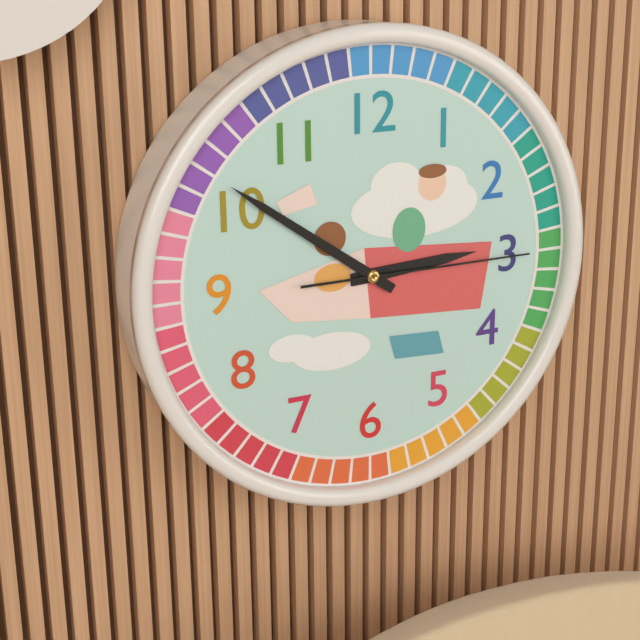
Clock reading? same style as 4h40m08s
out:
2h51m15s
